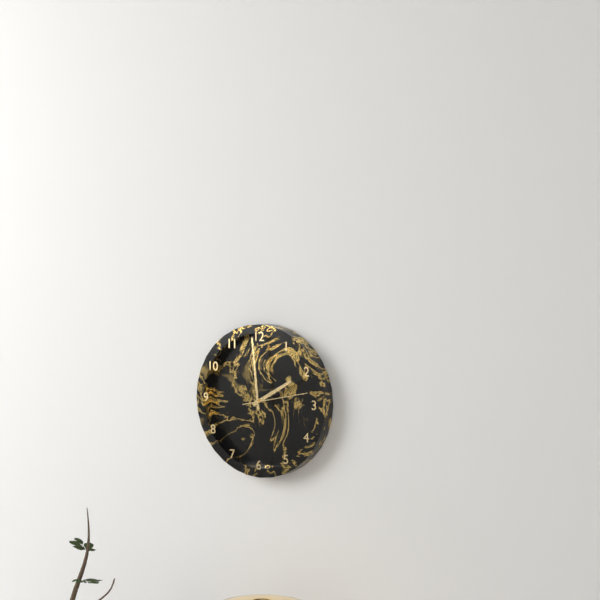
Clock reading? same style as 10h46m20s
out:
1h59m13s
